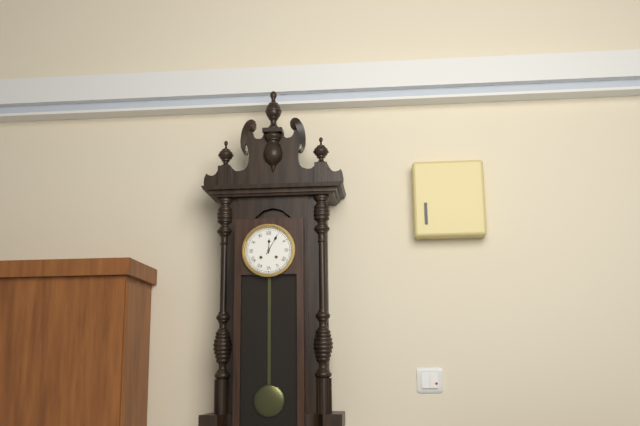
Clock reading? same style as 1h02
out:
12h05
